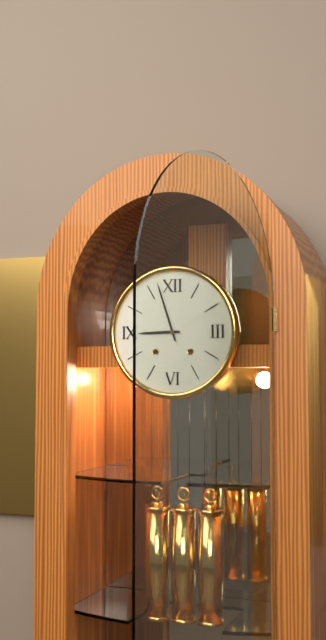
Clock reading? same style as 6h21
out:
8h57
